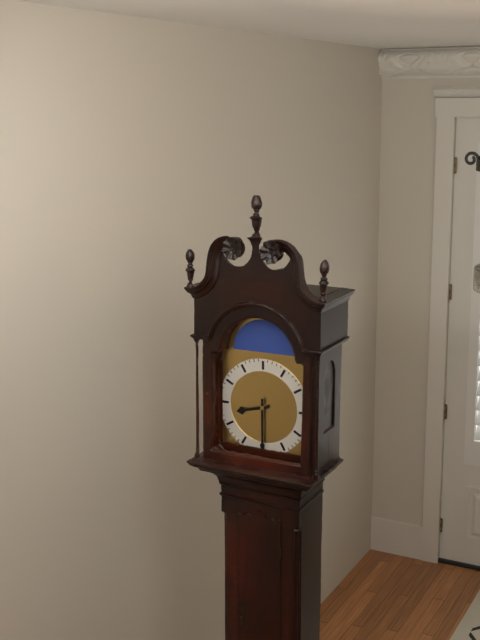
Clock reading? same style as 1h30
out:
8h30
